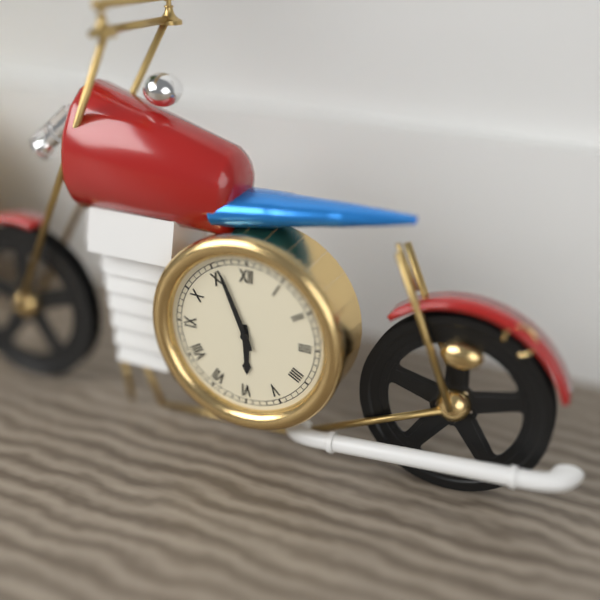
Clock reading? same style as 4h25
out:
5h56
